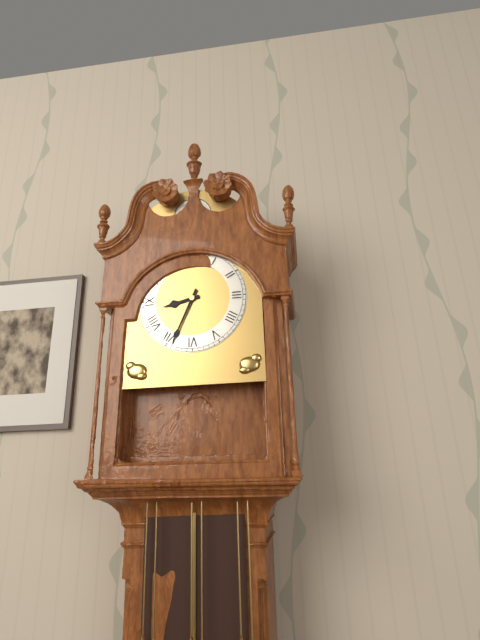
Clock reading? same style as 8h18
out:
8h34
